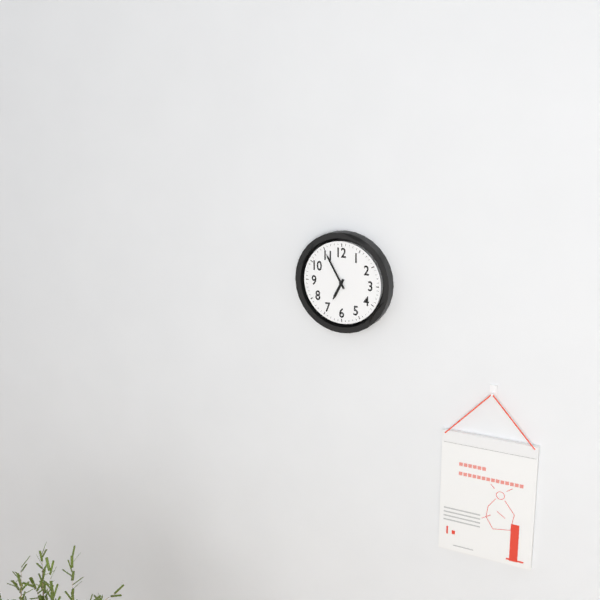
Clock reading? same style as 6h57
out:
6h55
